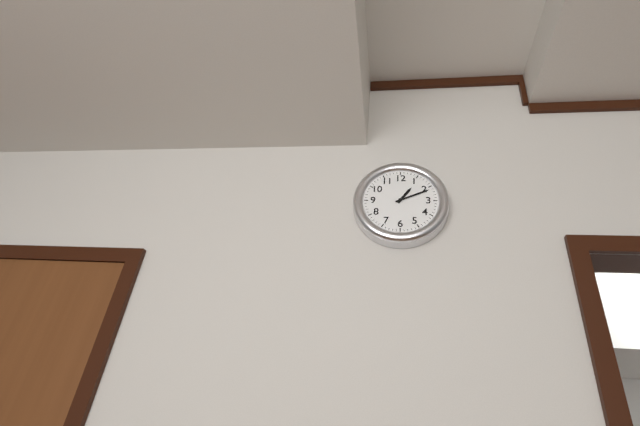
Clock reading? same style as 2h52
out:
1h11
